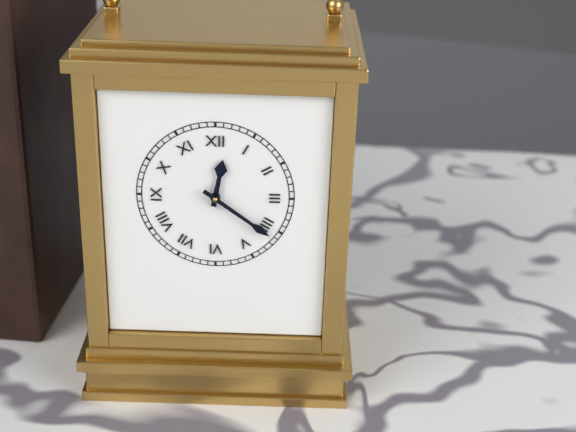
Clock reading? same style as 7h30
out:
12h21
